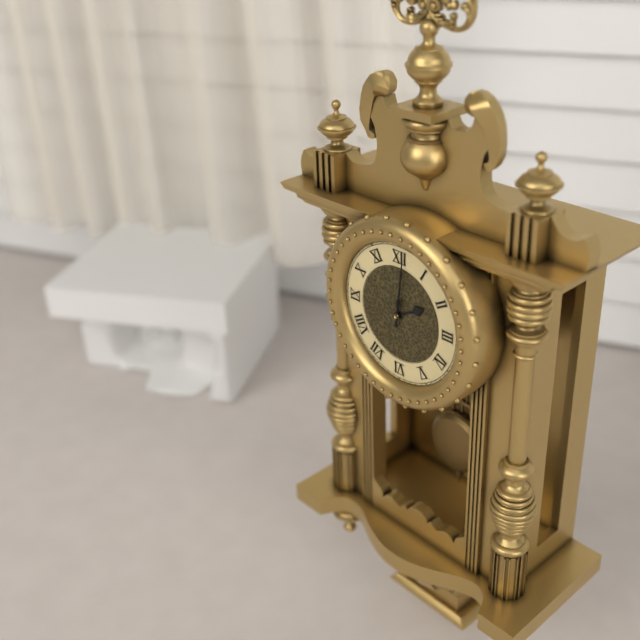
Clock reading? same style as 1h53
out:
2h01
